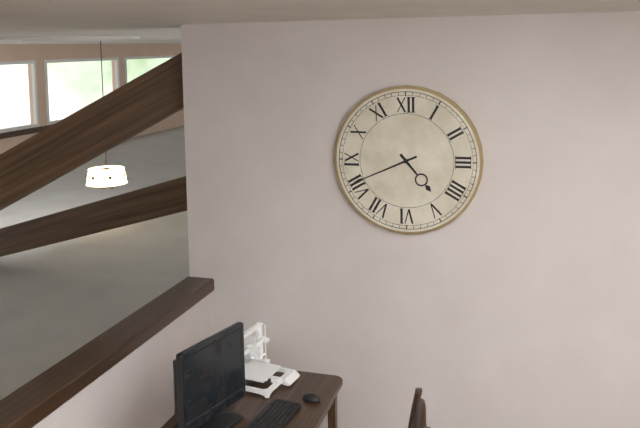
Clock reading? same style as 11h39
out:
4h41
